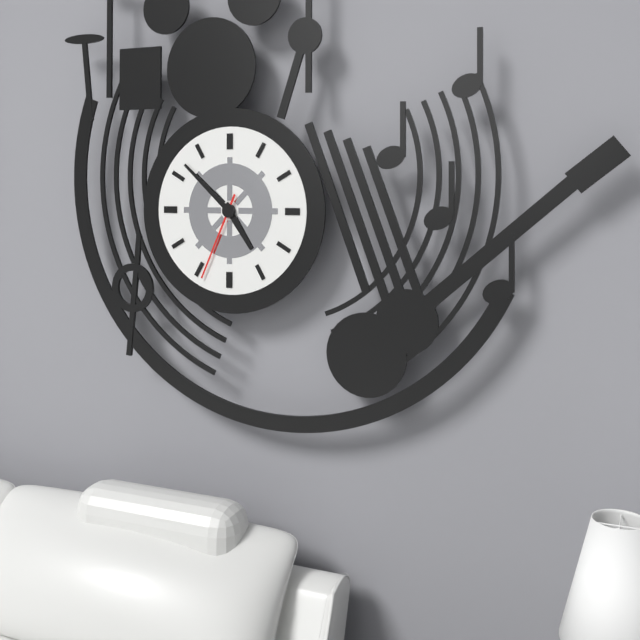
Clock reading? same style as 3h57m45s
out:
4h52m34s
